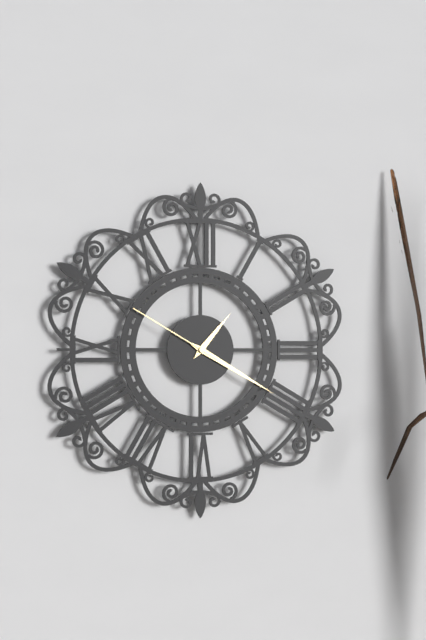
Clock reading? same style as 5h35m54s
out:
1h20m50s
